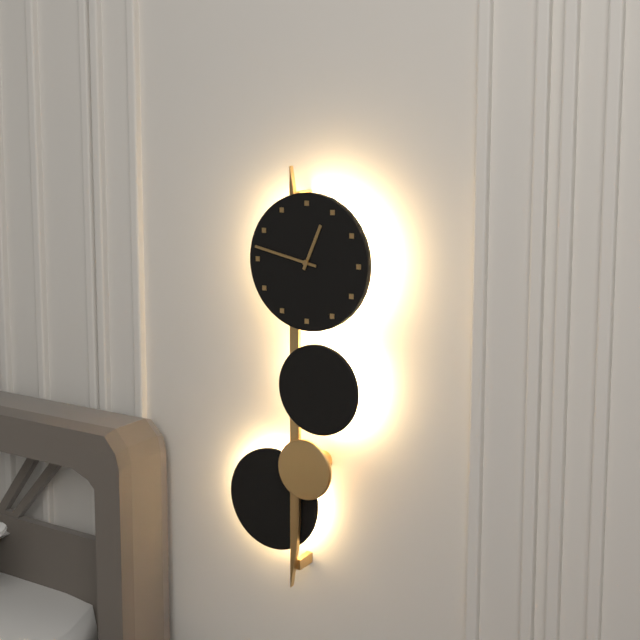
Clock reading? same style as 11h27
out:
12h47
